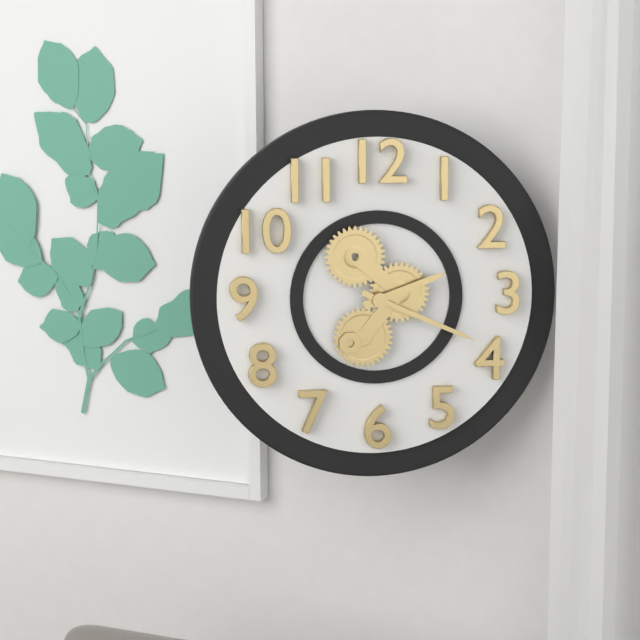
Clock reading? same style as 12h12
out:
2h19
